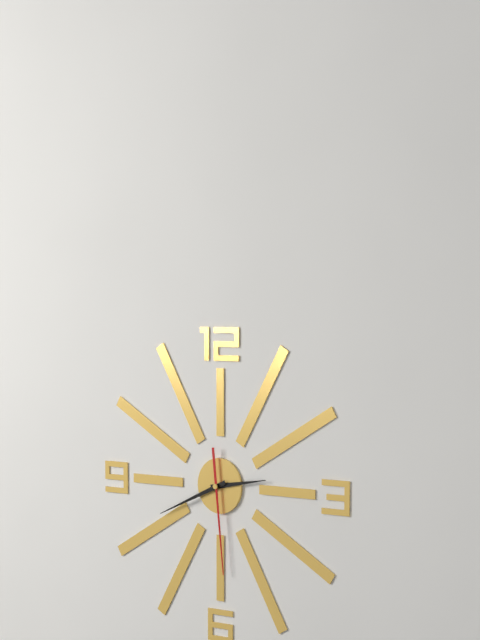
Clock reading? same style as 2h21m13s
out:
2h41m29s
